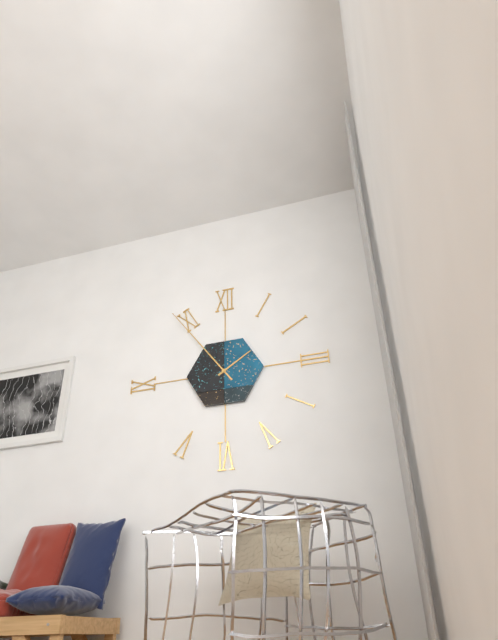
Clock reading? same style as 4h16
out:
1h54
